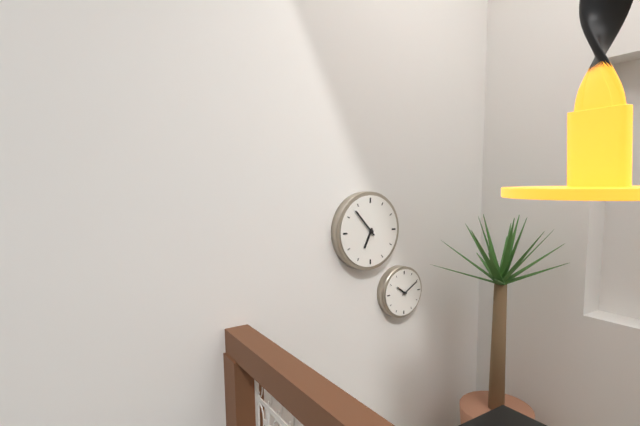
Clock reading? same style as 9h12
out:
6h53
